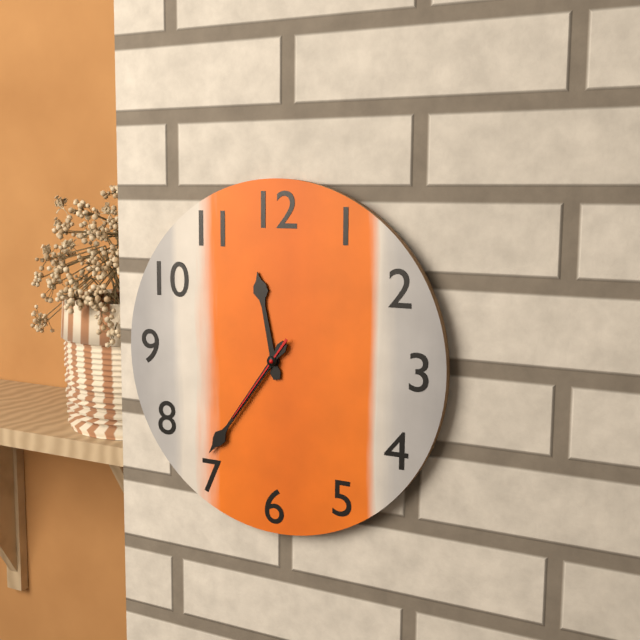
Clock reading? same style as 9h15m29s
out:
11h36m36s
